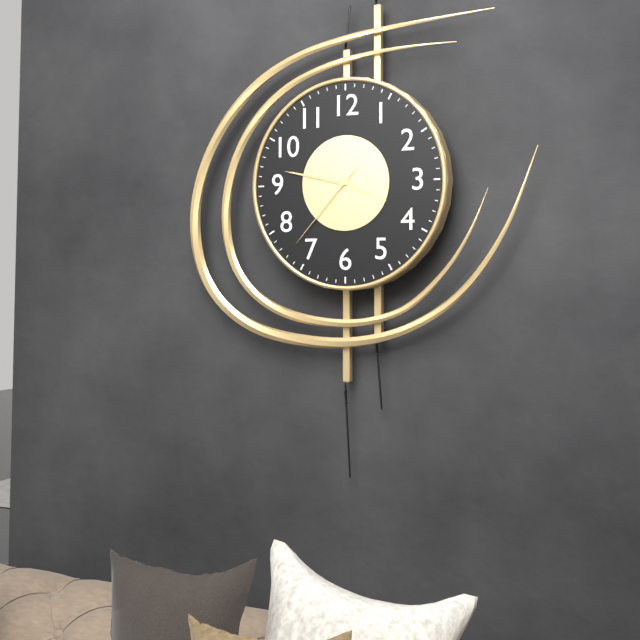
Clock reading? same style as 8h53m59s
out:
3h47m37s
